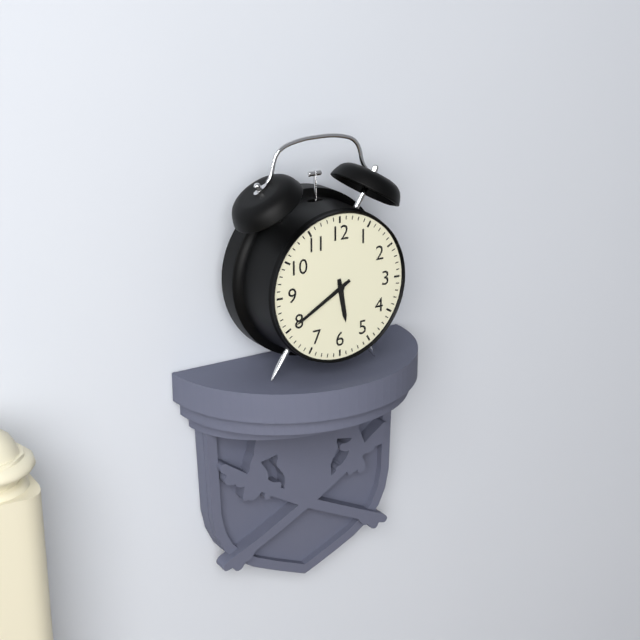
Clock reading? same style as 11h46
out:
5h40
